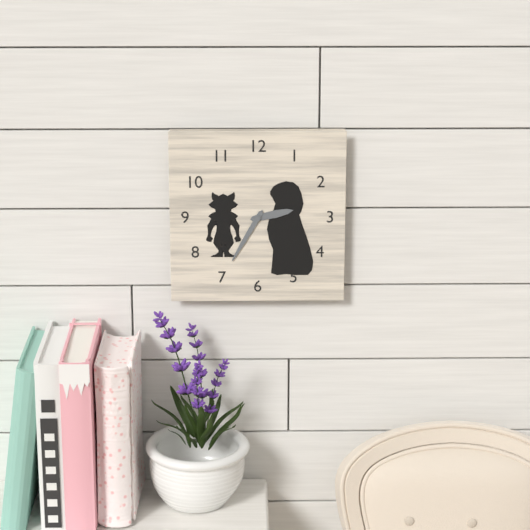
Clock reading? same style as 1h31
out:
2h35
